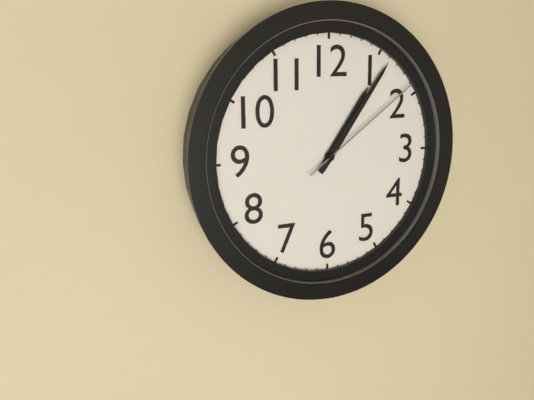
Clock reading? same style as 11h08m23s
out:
1h06m09s
